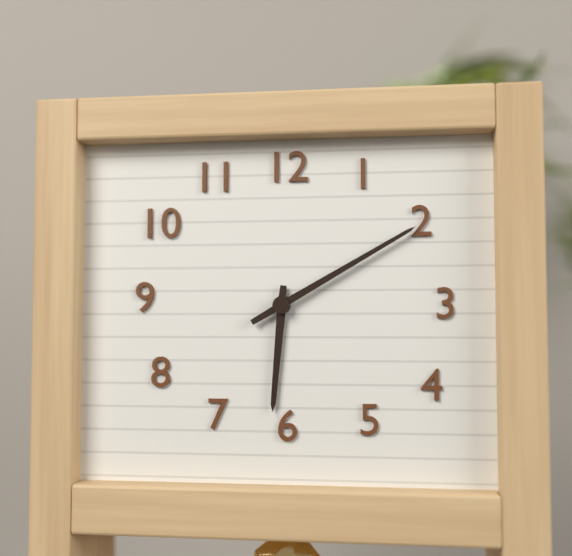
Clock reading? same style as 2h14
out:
6h10
